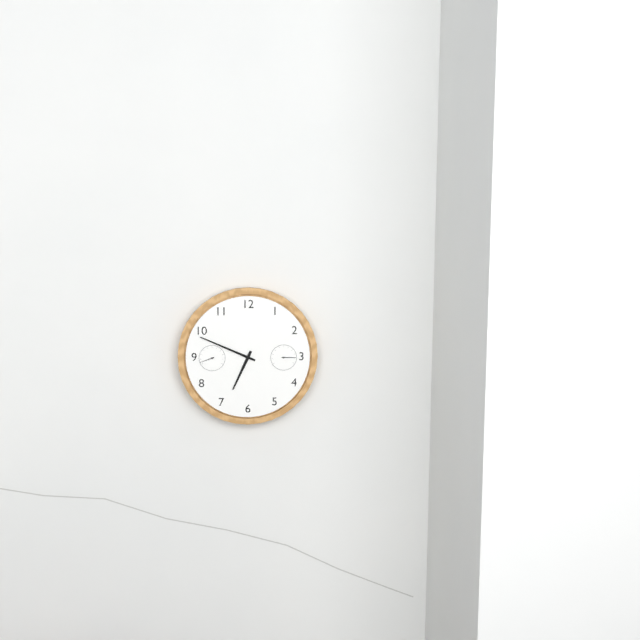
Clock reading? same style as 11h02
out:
6h49
